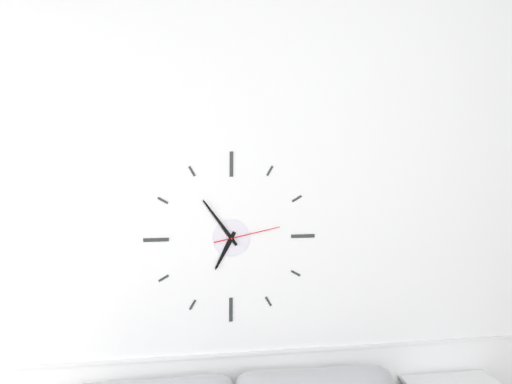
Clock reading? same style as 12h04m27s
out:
6h54m13s
